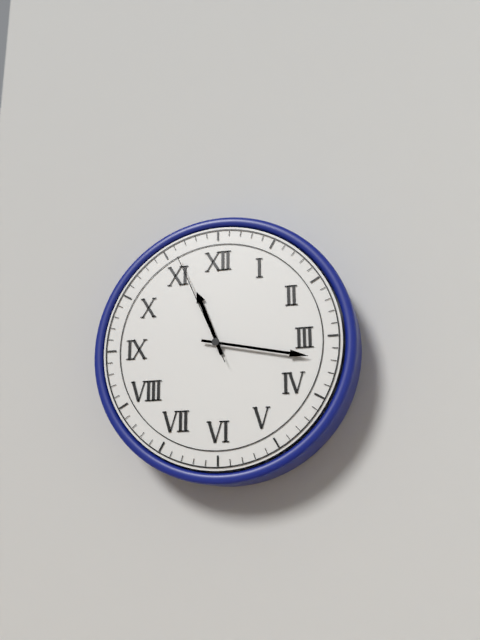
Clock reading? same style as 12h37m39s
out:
11h17m56s
